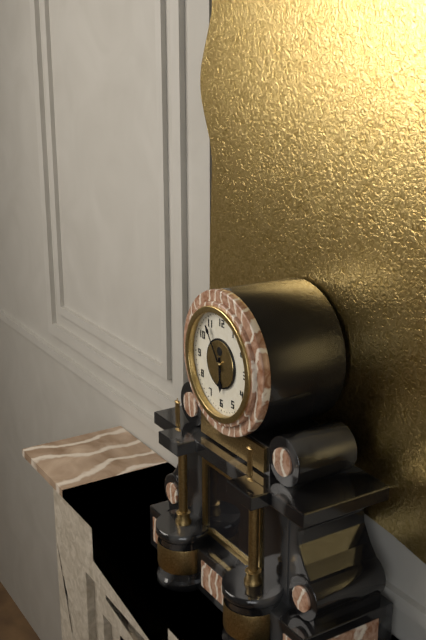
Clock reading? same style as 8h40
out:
5h54
